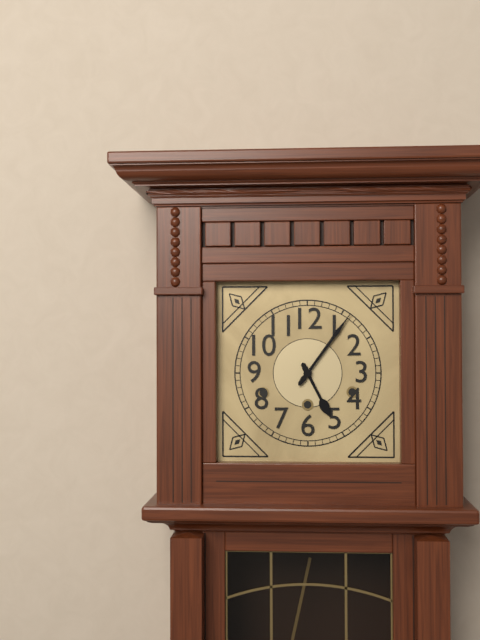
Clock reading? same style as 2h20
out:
5h06
